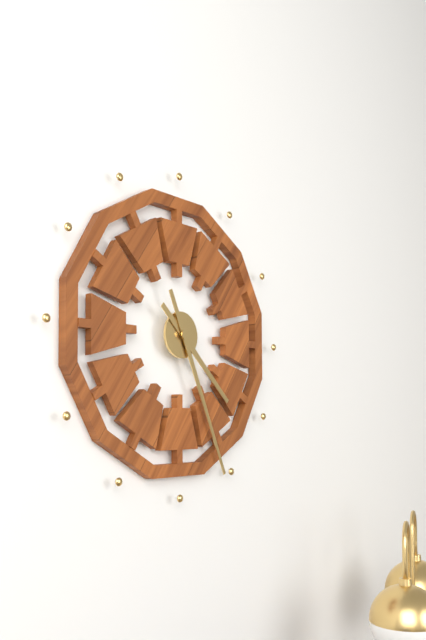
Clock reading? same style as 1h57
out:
4h26
